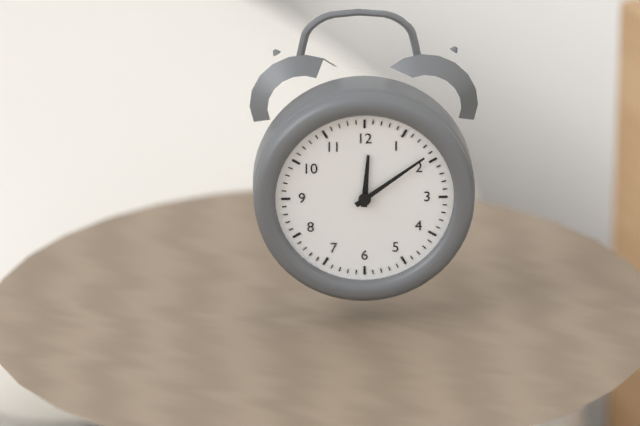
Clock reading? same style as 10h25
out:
12h09
